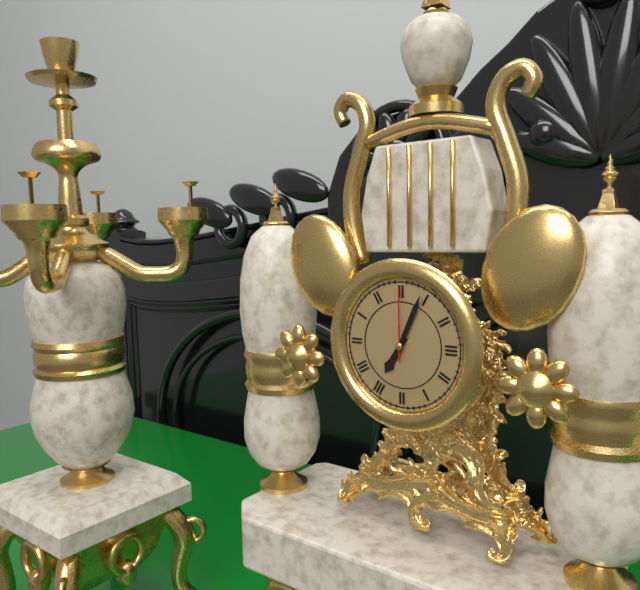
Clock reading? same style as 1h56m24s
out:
7h04m00s
